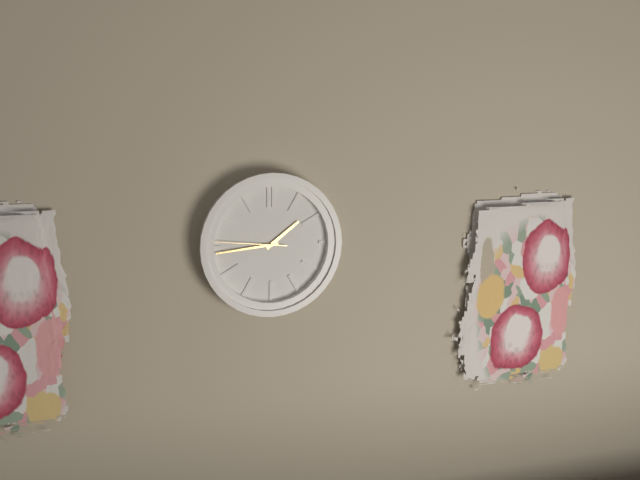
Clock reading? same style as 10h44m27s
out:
1h44m46s
